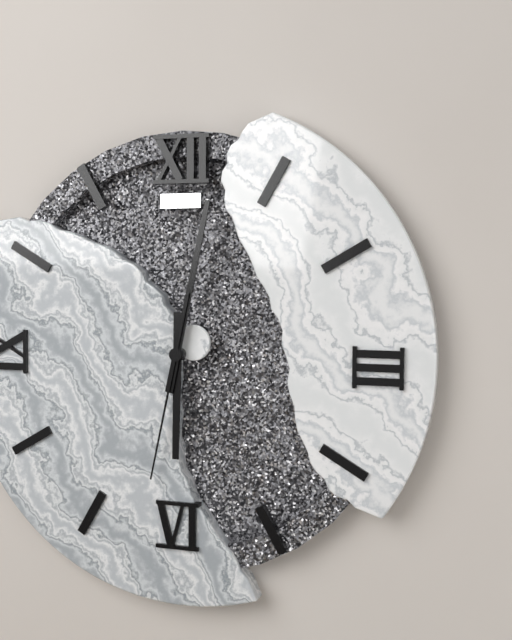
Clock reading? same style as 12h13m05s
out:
6h02m32s
